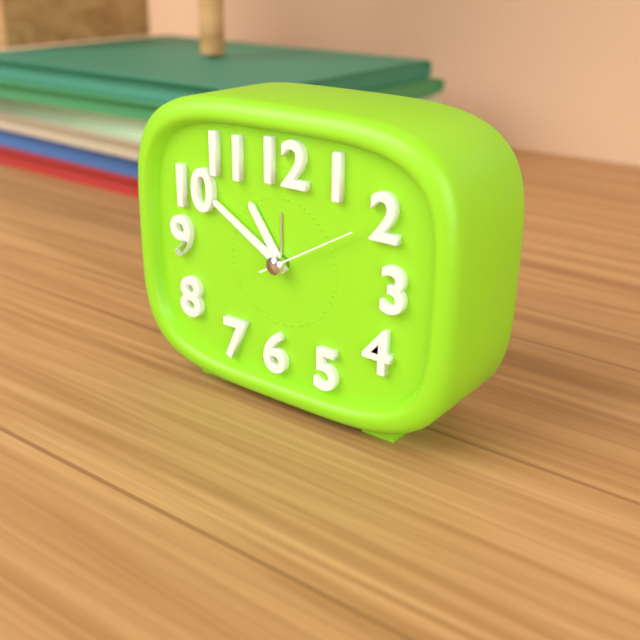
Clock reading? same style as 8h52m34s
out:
10h50m10s
